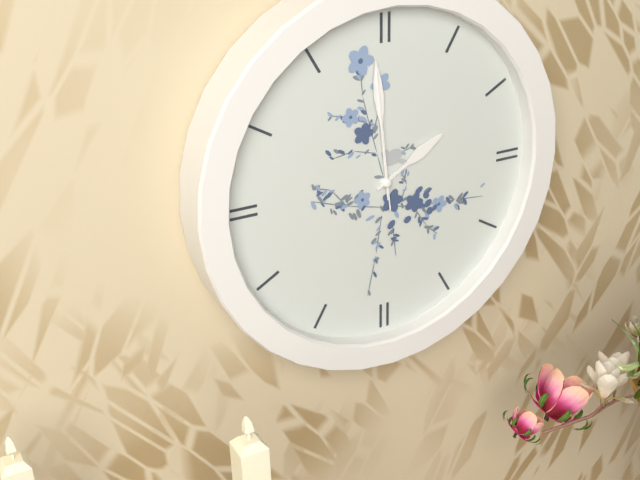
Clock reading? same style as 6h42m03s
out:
1h59m59s
